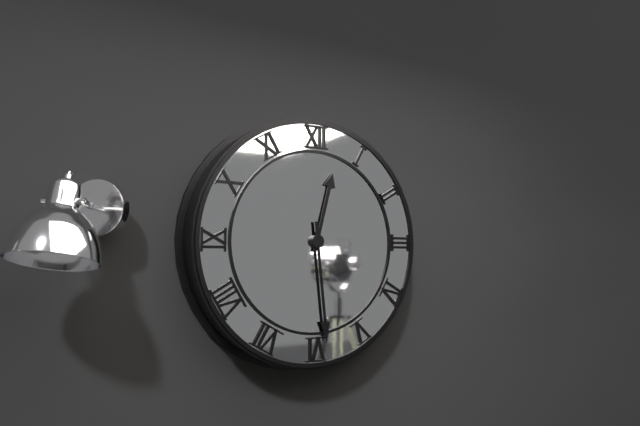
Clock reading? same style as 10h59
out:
12h29
